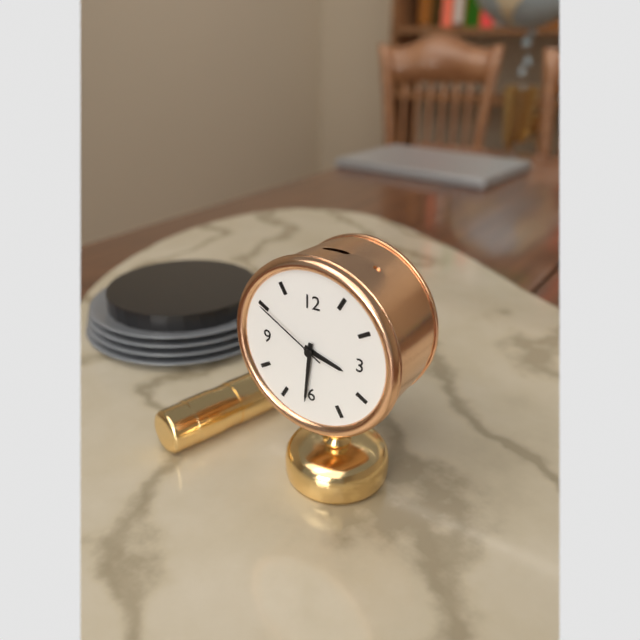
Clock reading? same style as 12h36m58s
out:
3h31m50s
